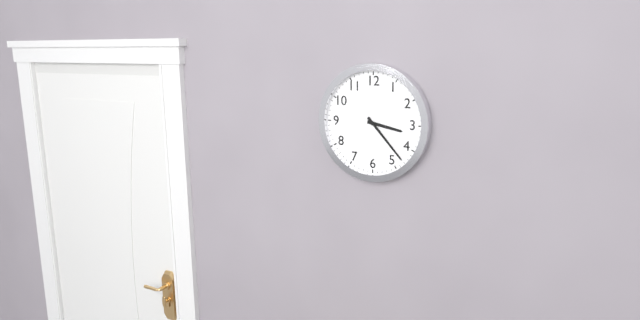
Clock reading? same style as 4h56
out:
3h23
